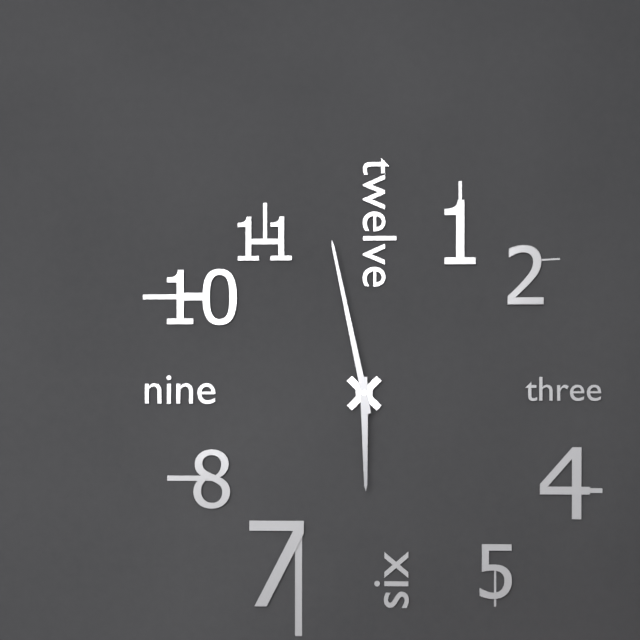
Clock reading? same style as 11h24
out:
5h58
